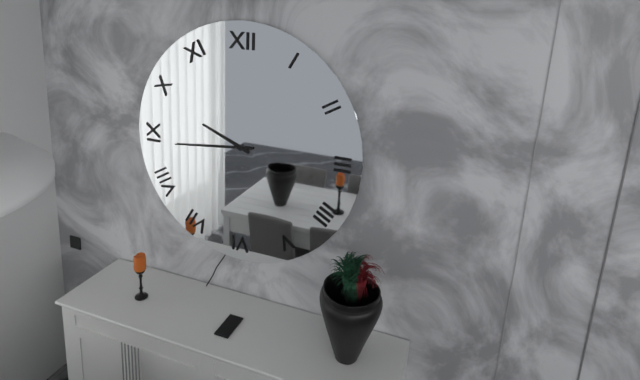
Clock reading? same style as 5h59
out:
9h44
